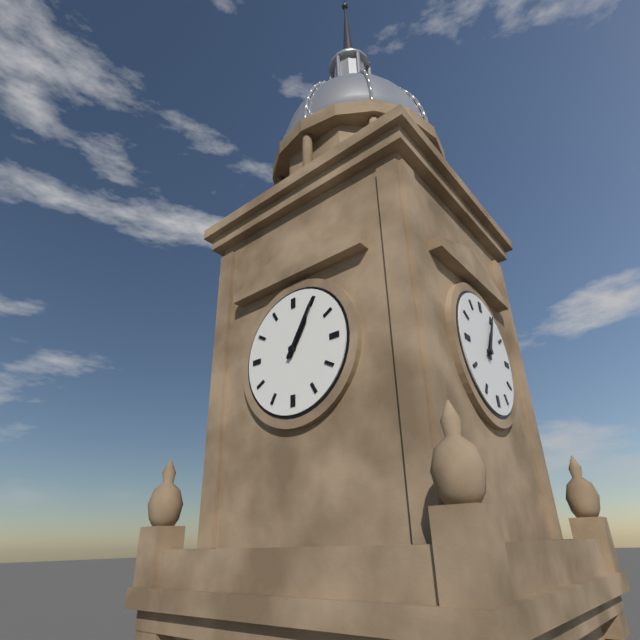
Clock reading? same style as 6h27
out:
1h05
